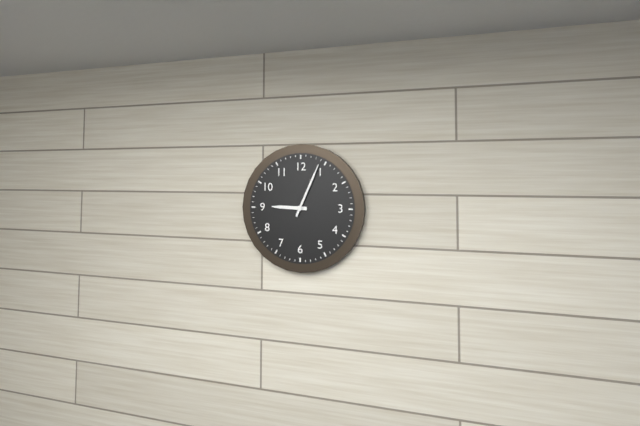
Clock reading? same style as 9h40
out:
9h04
